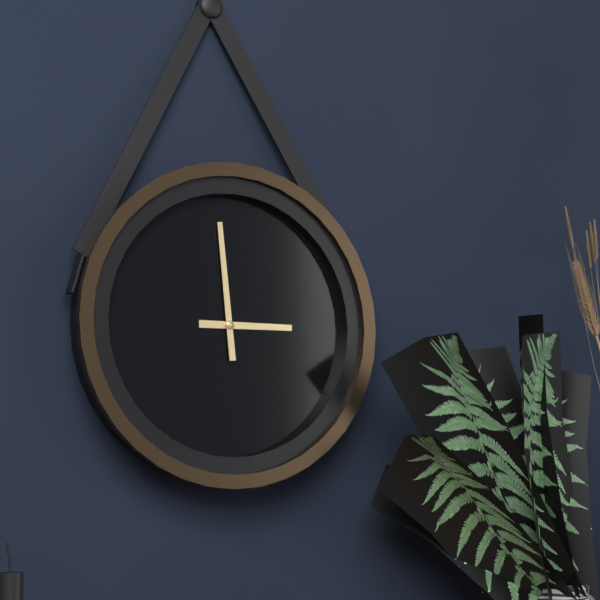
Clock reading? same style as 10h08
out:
2h59
